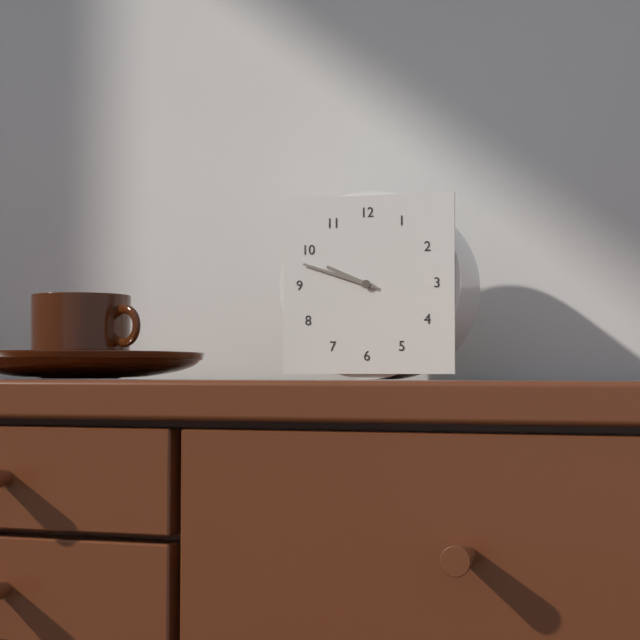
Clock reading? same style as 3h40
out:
9h48
